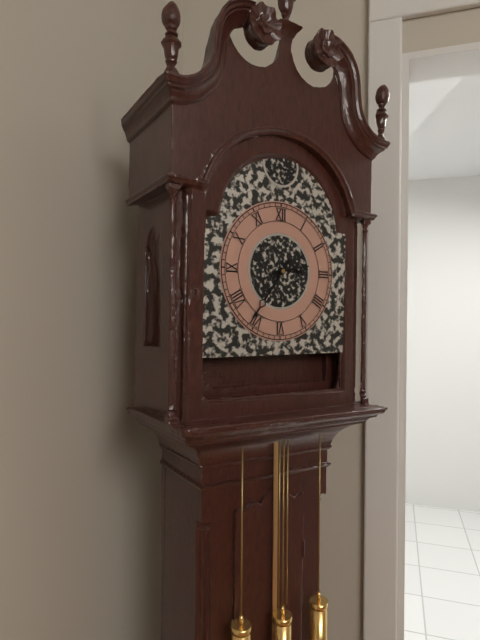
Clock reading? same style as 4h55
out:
2h36
